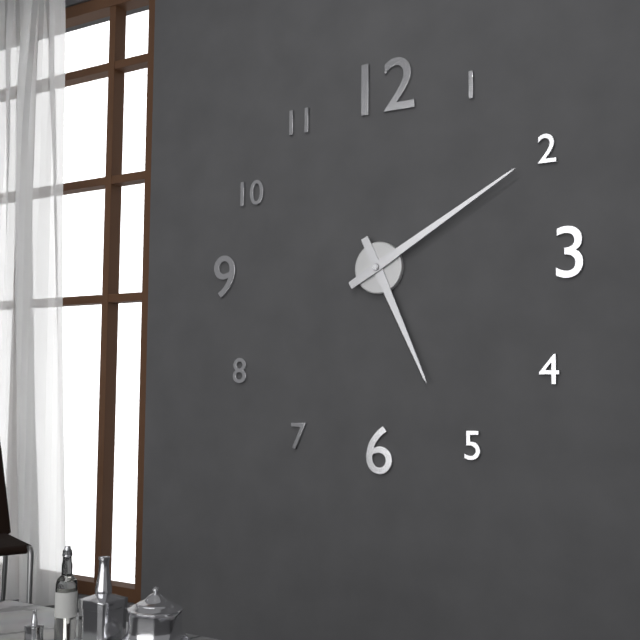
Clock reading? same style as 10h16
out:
5h10
